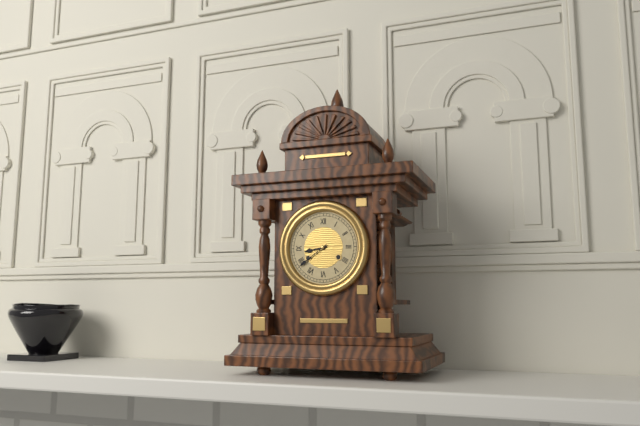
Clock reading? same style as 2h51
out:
8h39
